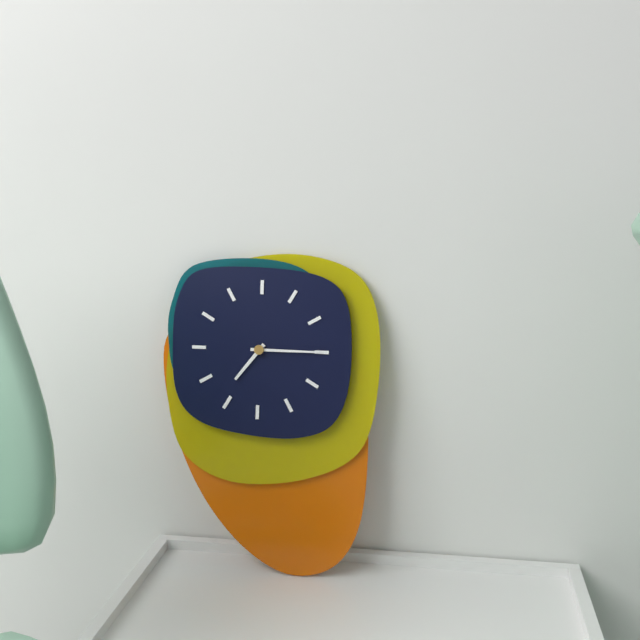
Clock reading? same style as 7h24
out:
7h15
